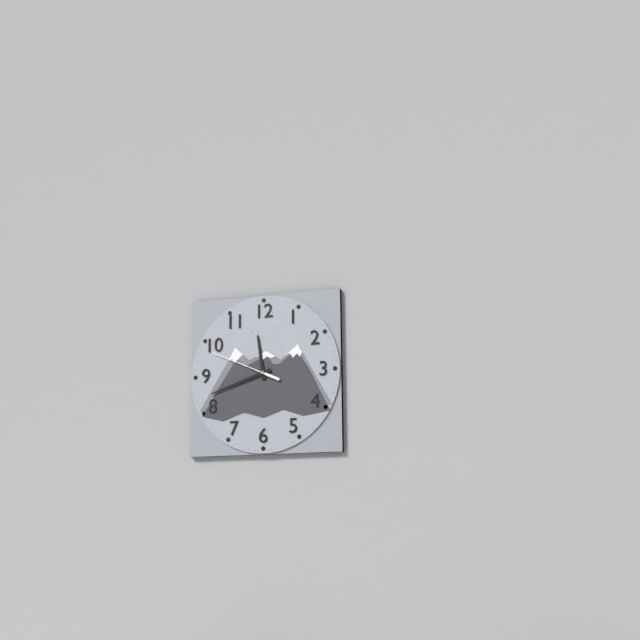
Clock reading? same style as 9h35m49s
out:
11h42m49s
